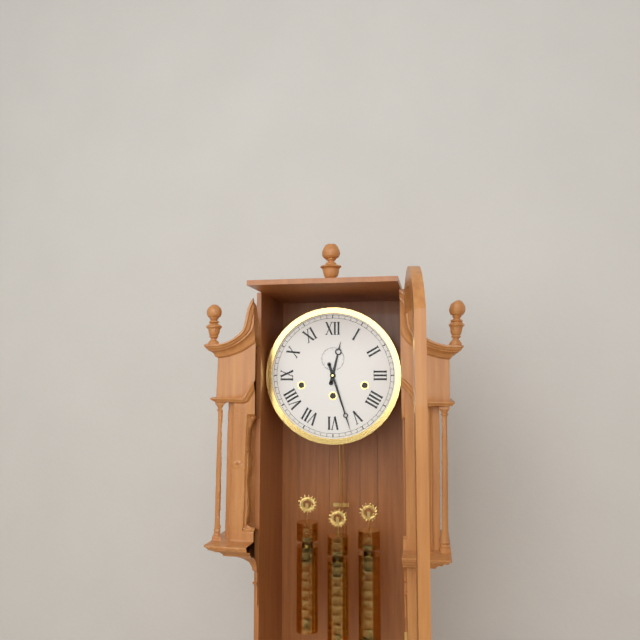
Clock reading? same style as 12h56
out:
12h27
